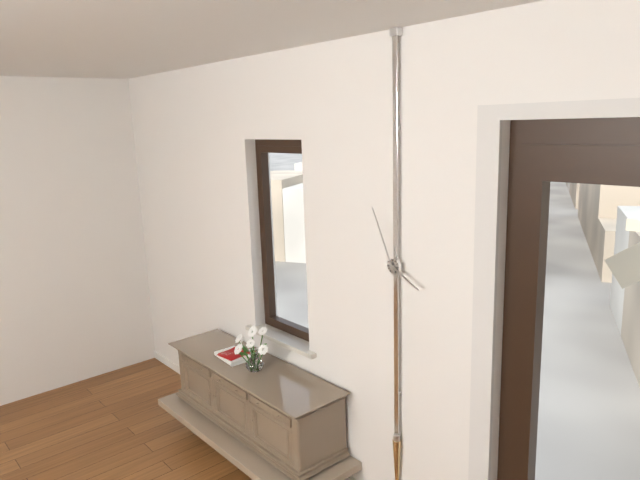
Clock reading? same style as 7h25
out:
3h56
